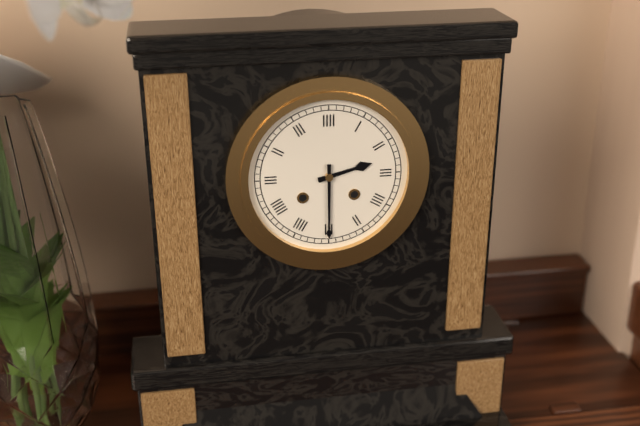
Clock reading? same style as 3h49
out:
2h30
